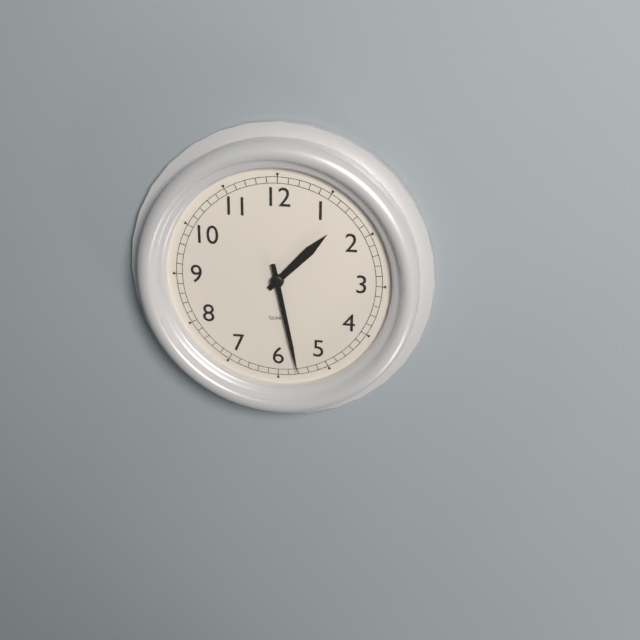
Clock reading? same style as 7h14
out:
1h28
